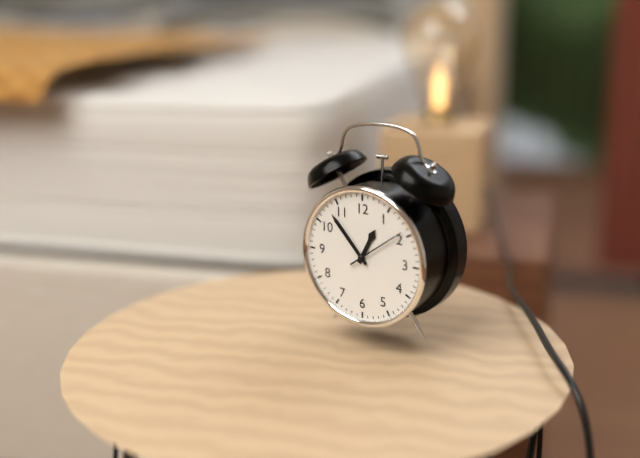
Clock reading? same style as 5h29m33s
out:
12h53m09s
